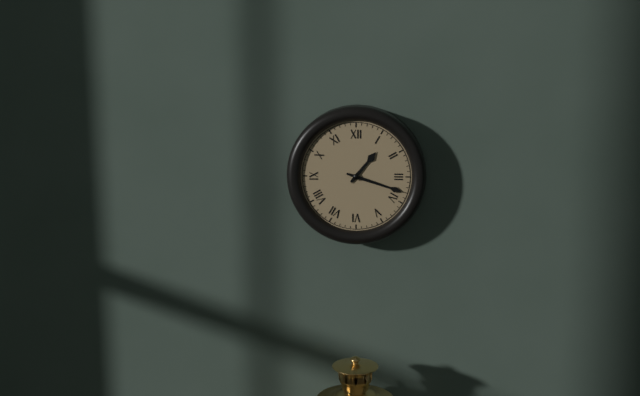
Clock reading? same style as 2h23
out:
1h18
